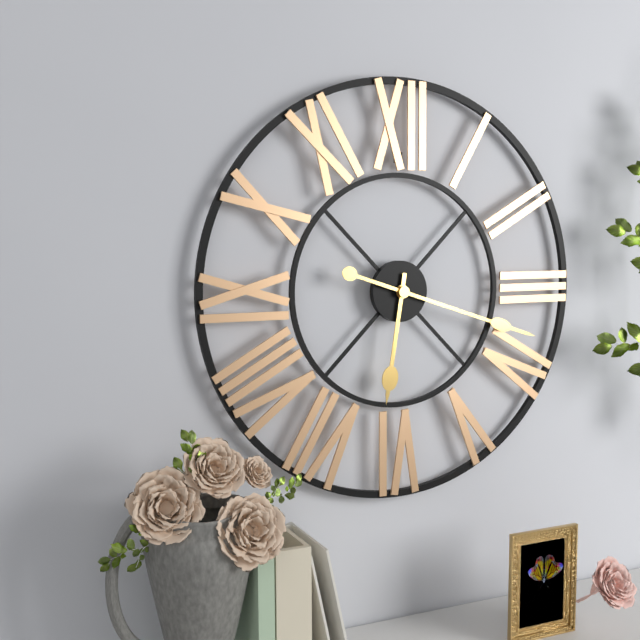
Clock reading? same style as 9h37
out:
6h18
